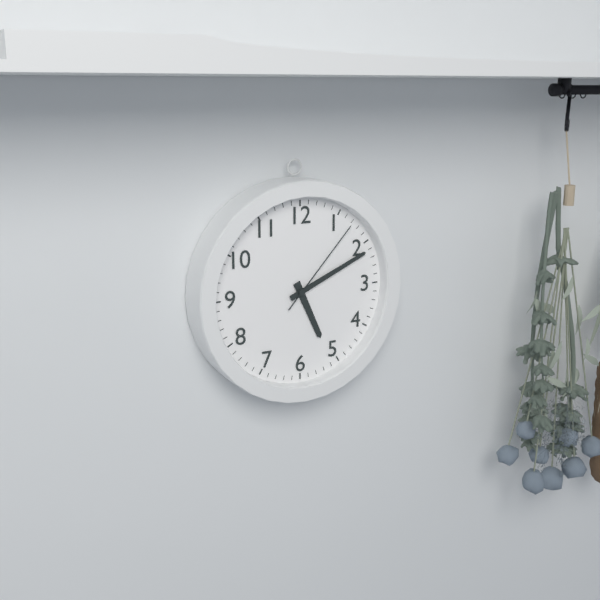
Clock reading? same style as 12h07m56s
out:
5h11m07s
